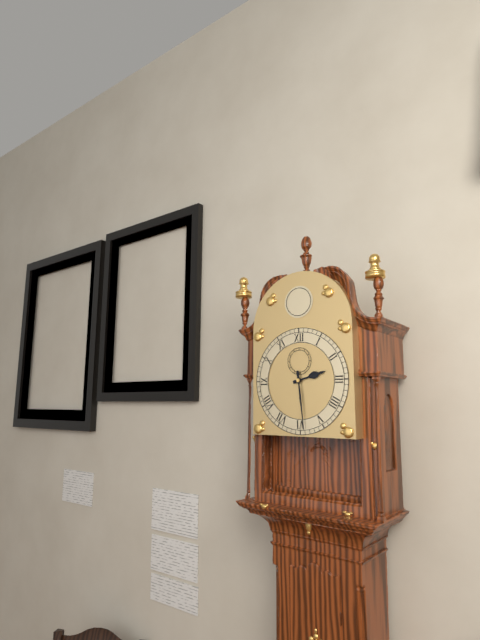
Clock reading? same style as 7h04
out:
2h29
